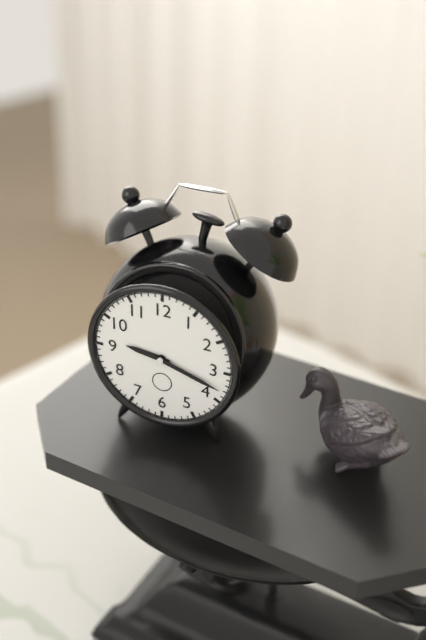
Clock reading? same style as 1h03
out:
9h18
